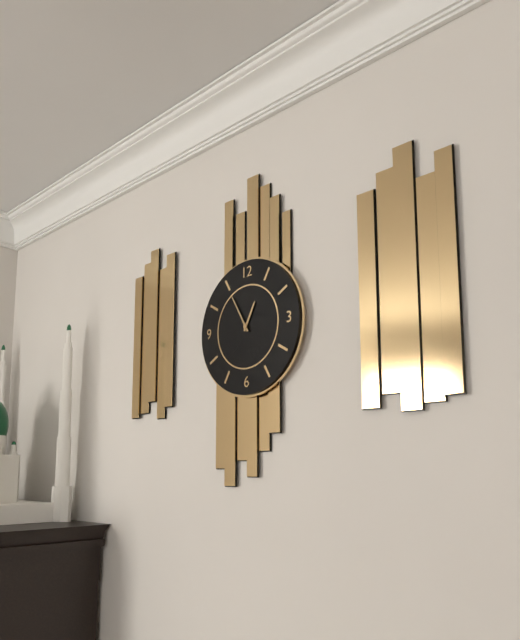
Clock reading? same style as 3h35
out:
12h55
